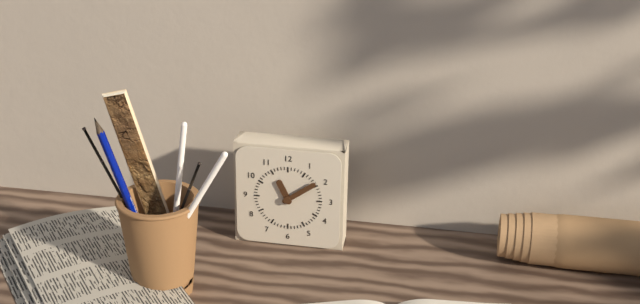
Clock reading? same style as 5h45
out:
11h09
